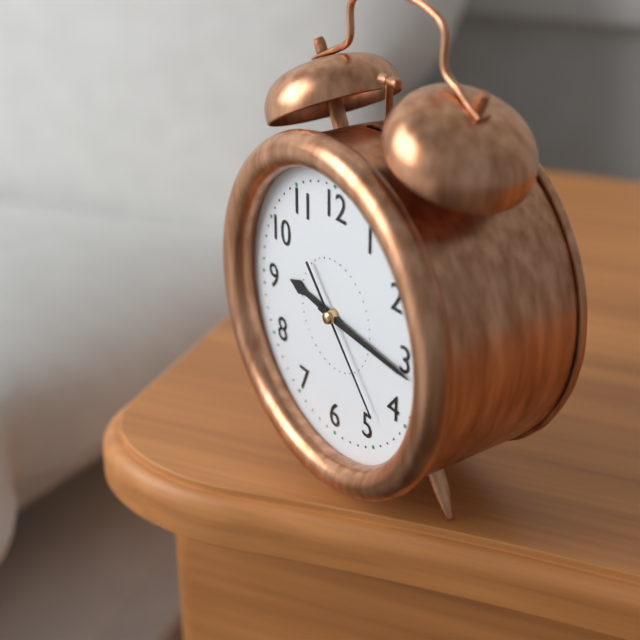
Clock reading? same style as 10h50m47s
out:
9h16m23s
